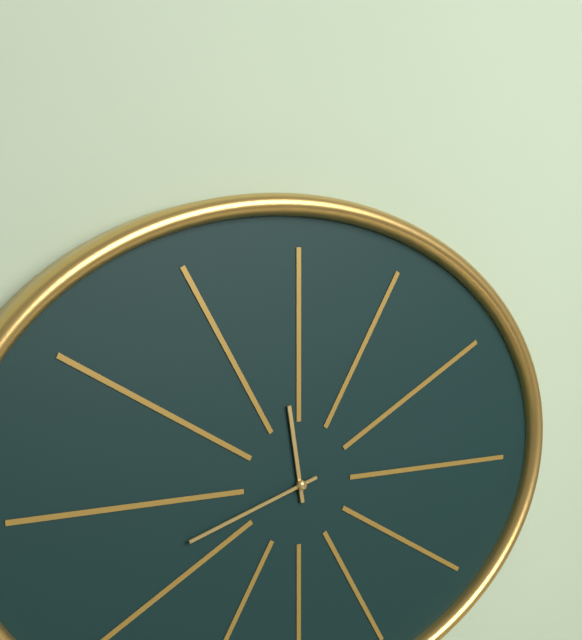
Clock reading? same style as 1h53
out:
11h42
